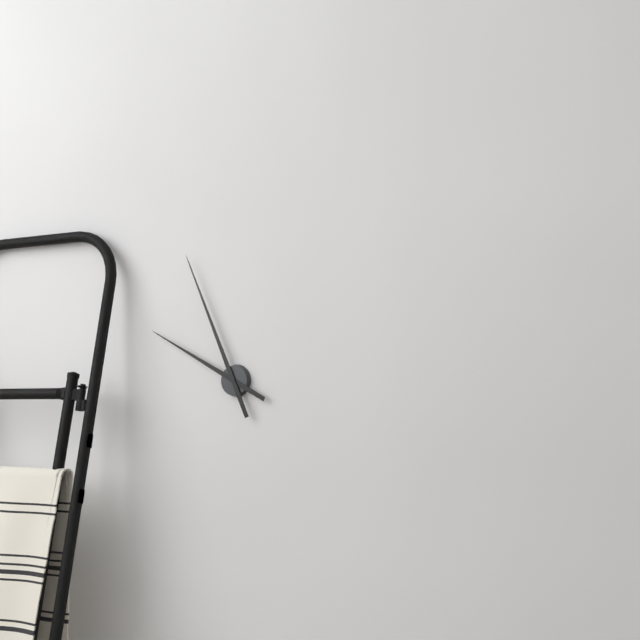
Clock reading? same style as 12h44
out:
9h56
